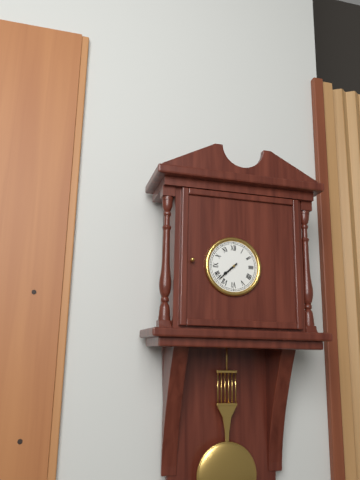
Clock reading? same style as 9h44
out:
7h38
